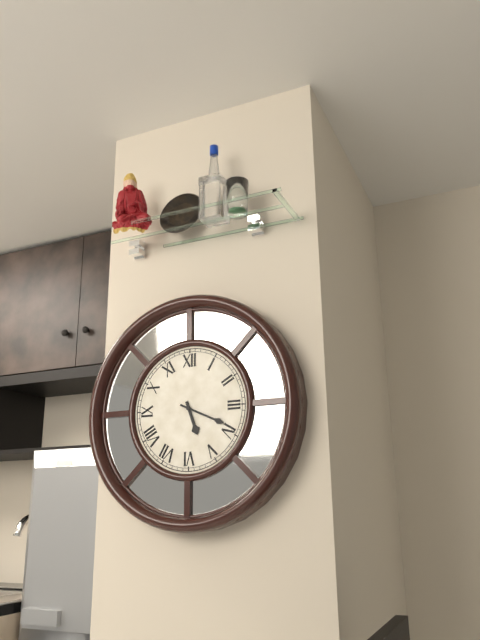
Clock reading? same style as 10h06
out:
5h19
